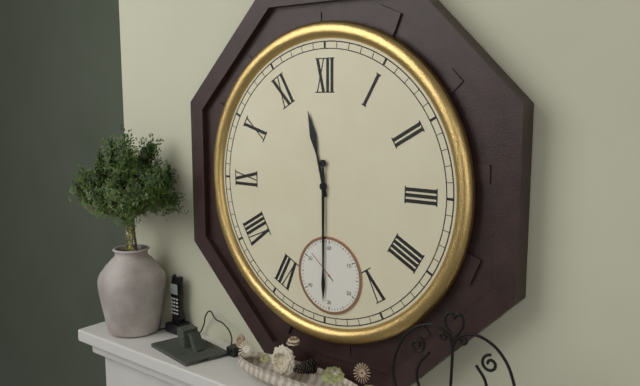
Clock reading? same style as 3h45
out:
11h30
